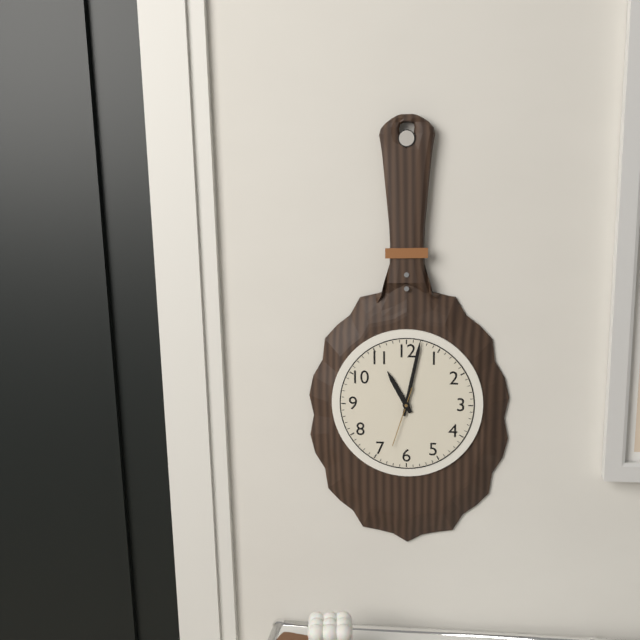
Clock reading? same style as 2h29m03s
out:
11h02m33s
